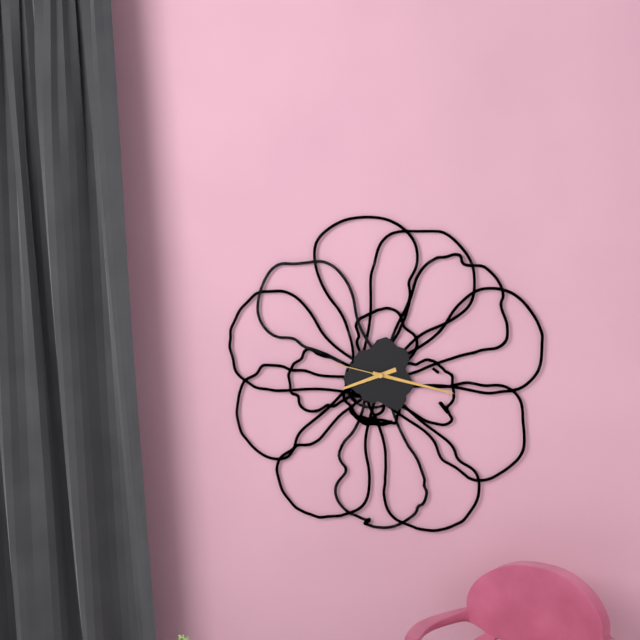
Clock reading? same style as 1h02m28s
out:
8h17m47s
